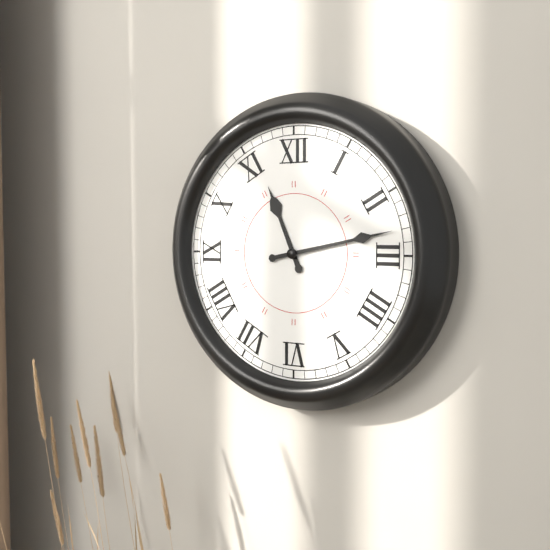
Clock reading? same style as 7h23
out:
11h13
